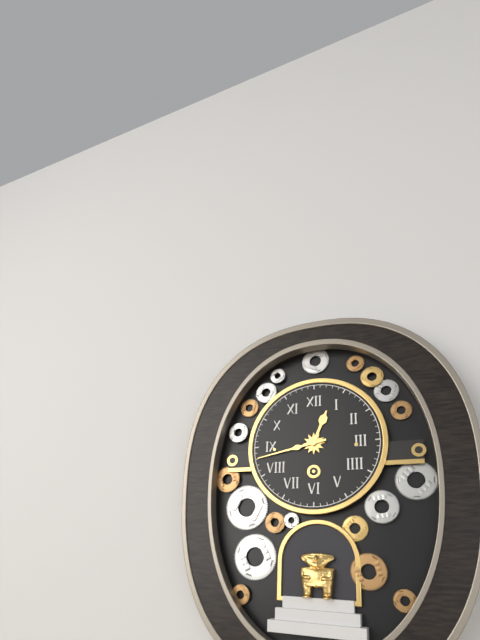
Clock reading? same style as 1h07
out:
12h43
